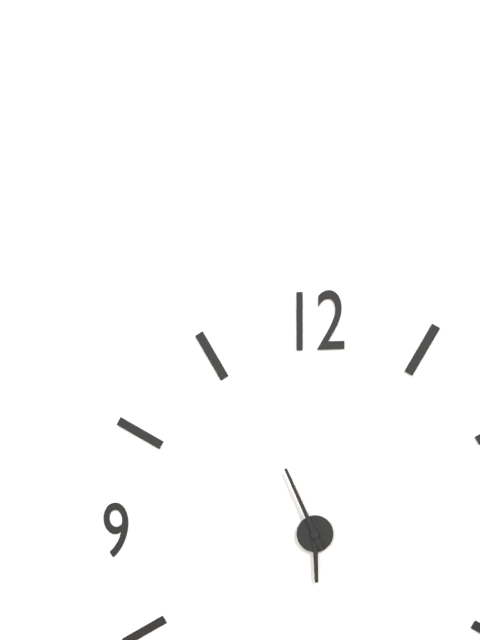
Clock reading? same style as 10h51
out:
5h56
